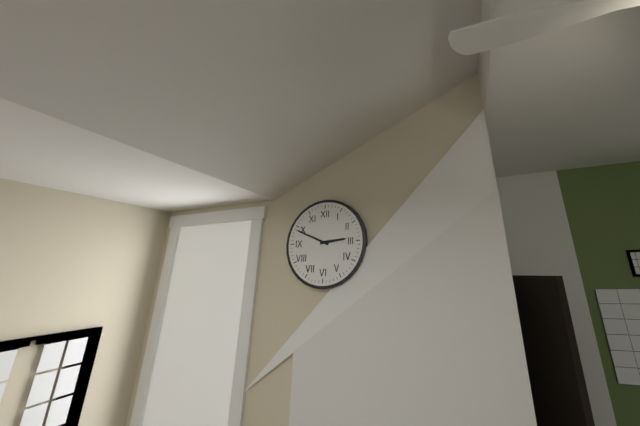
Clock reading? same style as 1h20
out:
2h49
